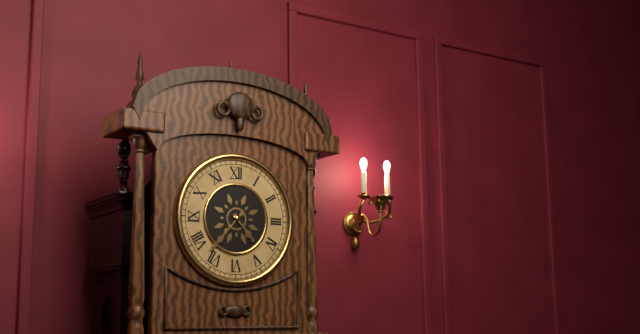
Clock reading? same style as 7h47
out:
4h37
